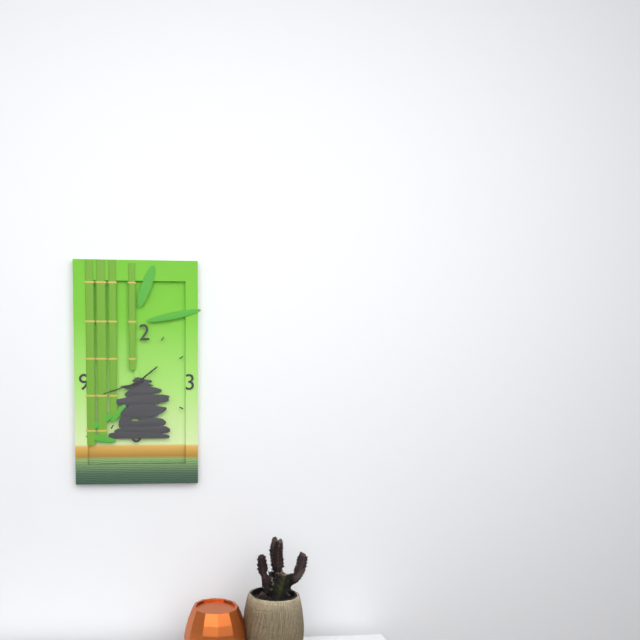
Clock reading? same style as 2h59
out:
1h42
